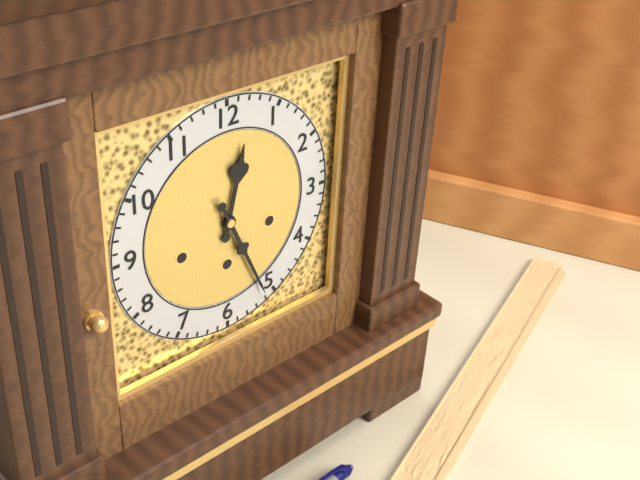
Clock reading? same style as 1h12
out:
12h26
